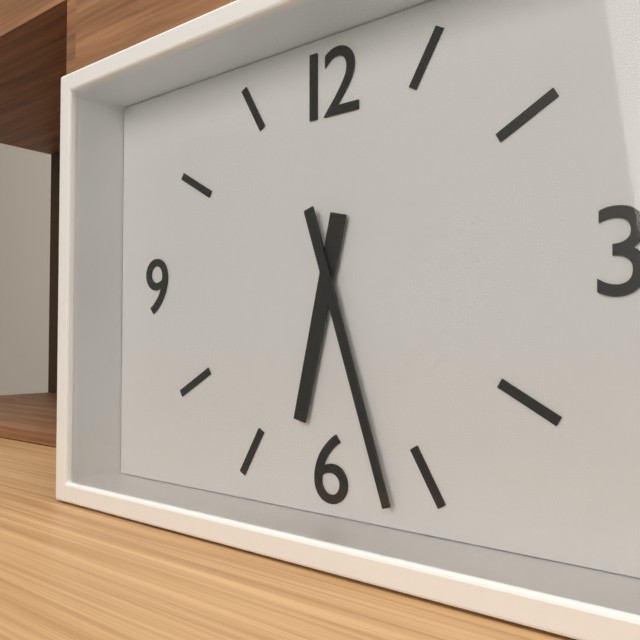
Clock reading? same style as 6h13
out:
6h27
